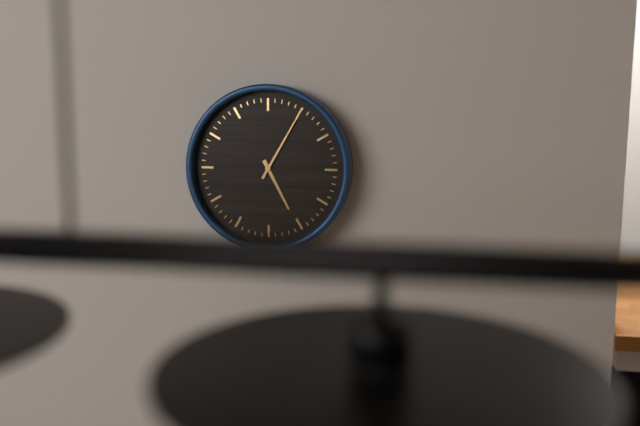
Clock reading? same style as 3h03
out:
5h05
